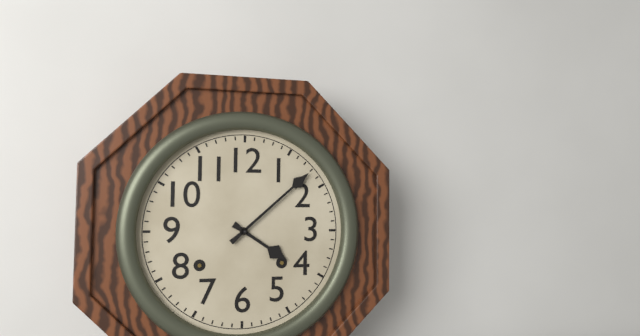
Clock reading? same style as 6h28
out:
4h08
